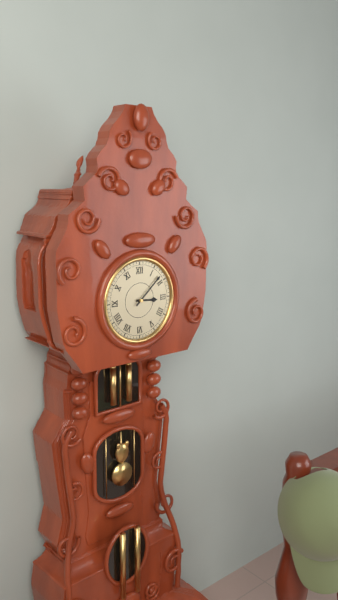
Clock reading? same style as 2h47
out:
3h08
